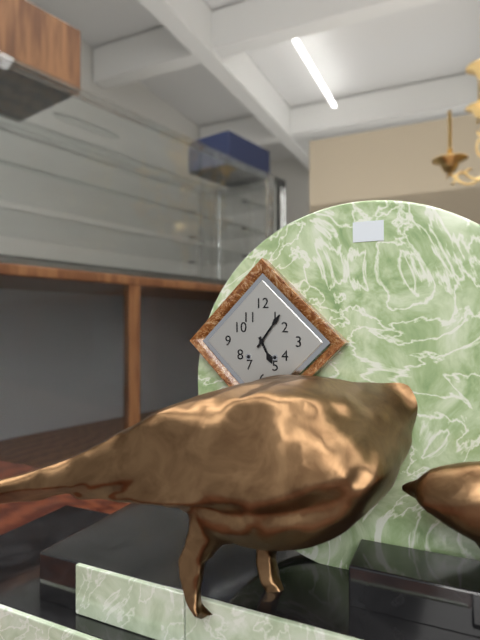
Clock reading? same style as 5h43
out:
5h06
